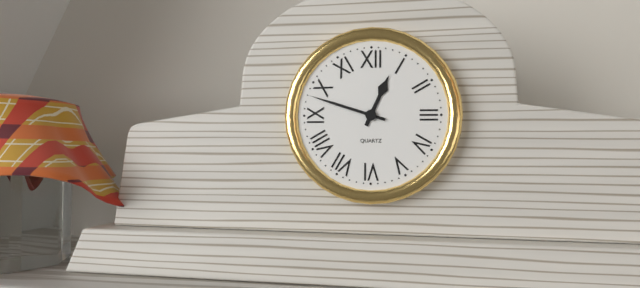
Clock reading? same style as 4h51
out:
12h48
